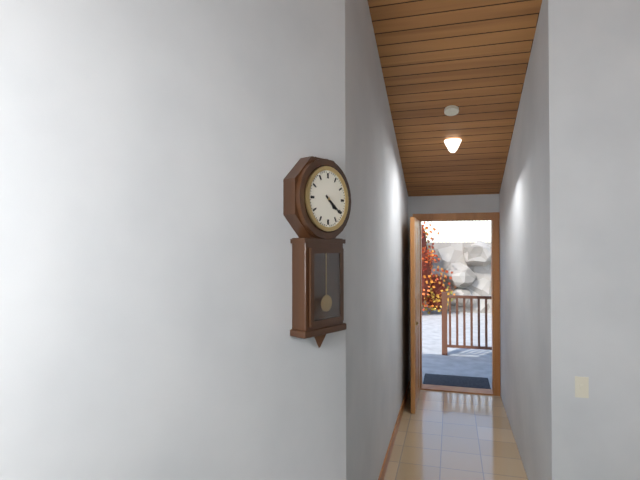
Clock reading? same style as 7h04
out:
4h21
